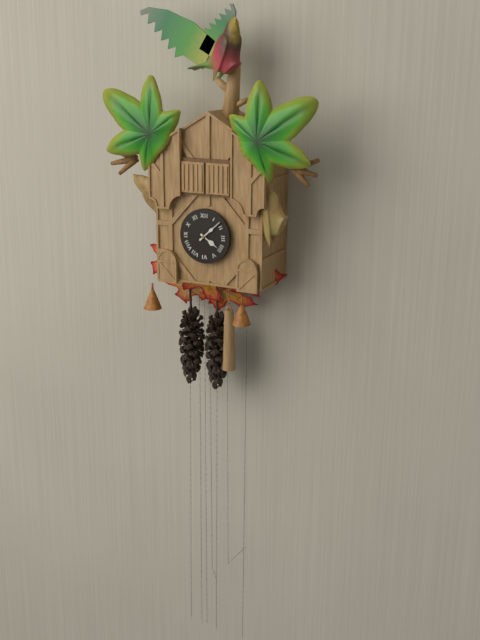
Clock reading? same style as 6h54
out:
4h08
